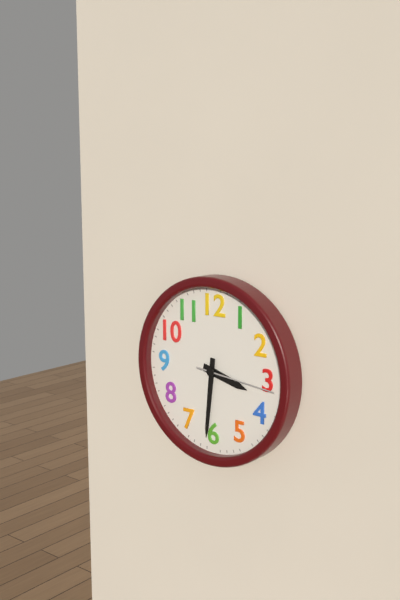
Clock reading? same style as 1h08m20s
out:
3h31m16s
